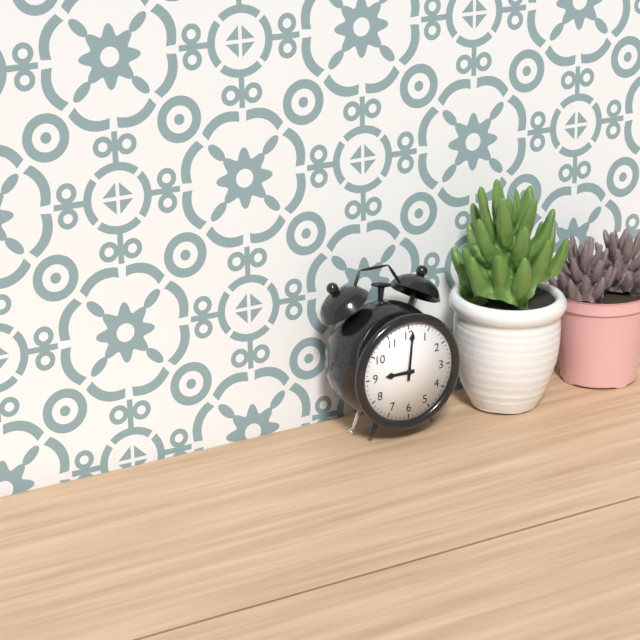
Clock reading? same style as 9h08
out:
9h01
